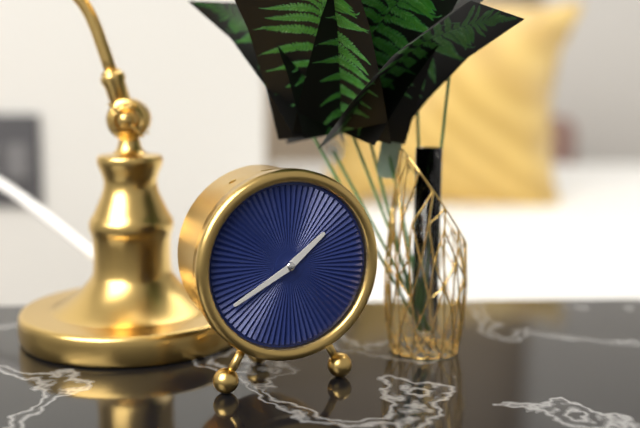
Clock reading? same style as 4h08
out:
1h40
